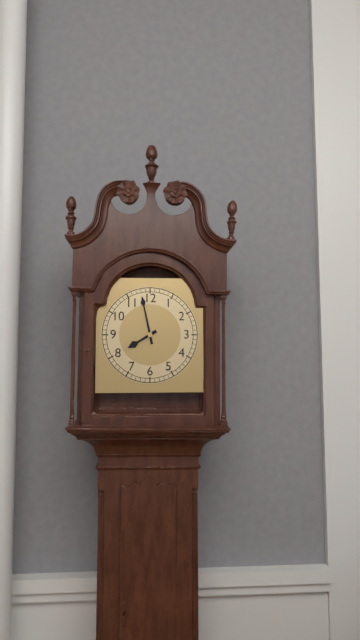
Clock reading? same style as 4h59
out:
7h58
